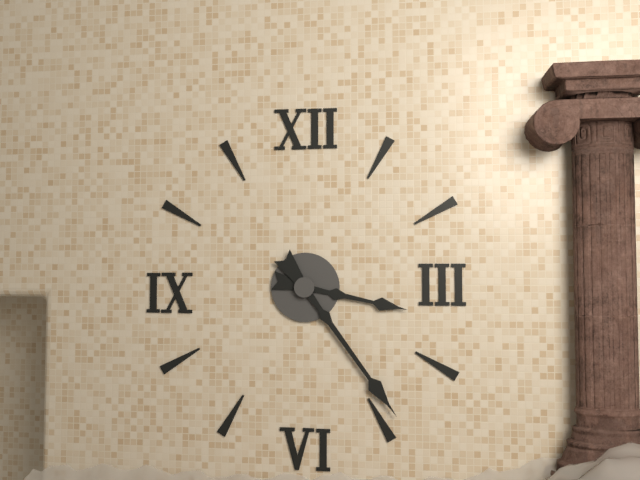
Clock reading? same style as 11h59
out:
3h24
